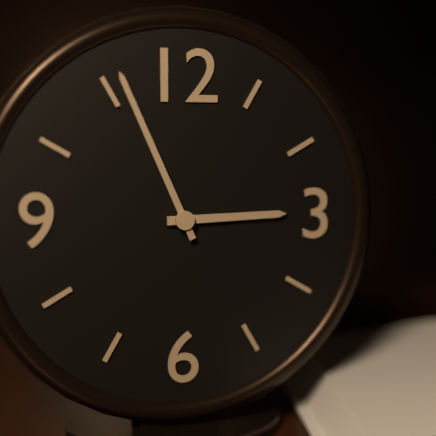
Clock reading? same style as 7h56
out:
2h56
